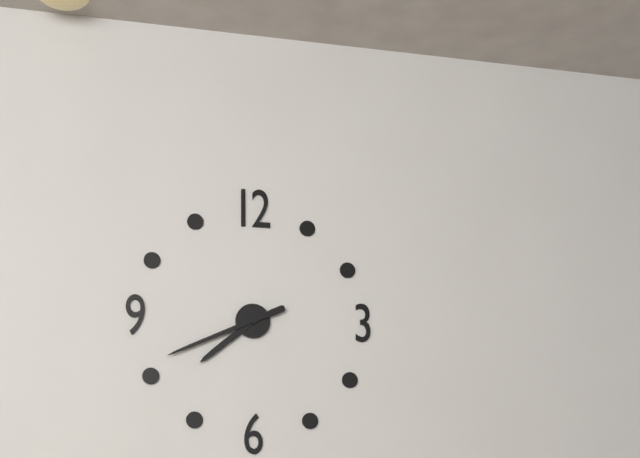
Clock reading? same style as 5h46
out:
7h41
